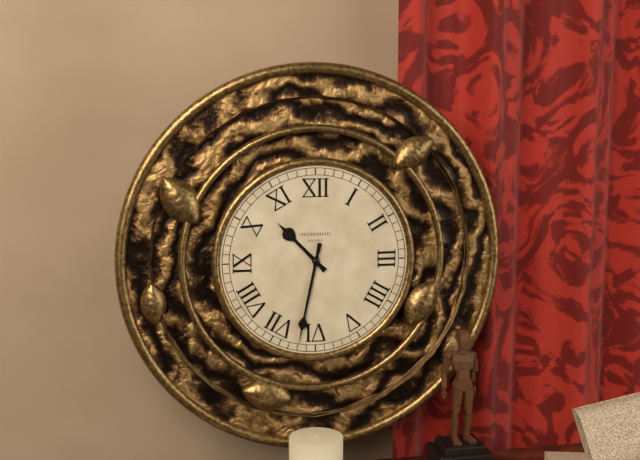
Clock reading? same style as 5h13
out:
10h32
